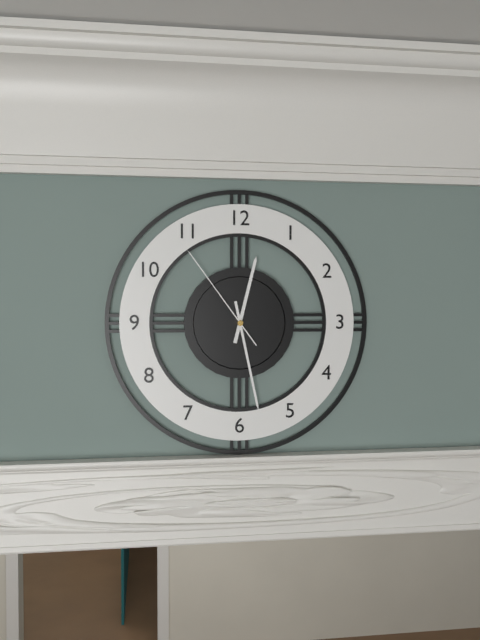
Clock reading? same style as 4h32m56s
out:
12h28m54s
